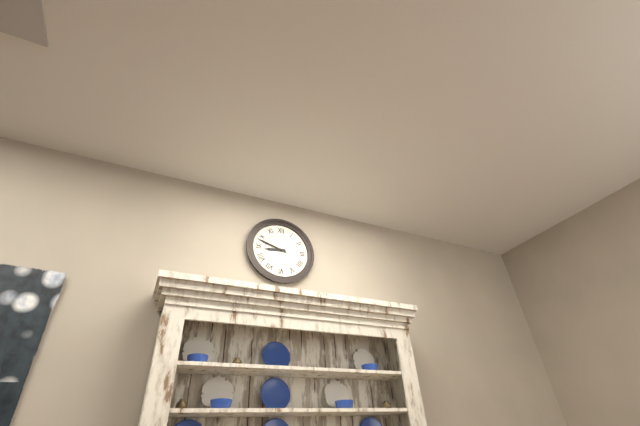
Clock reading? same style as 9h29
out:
8h48
